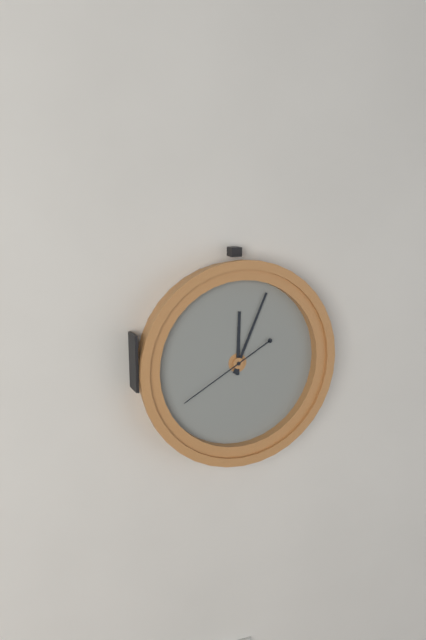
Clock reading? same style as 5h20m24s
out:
12h04m40s
